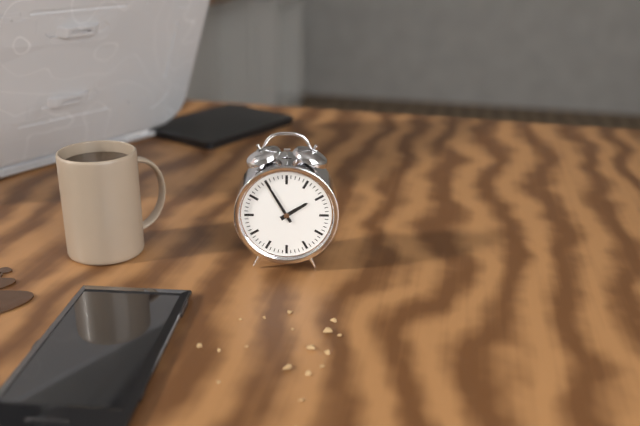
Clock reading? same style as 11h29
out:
1h55
